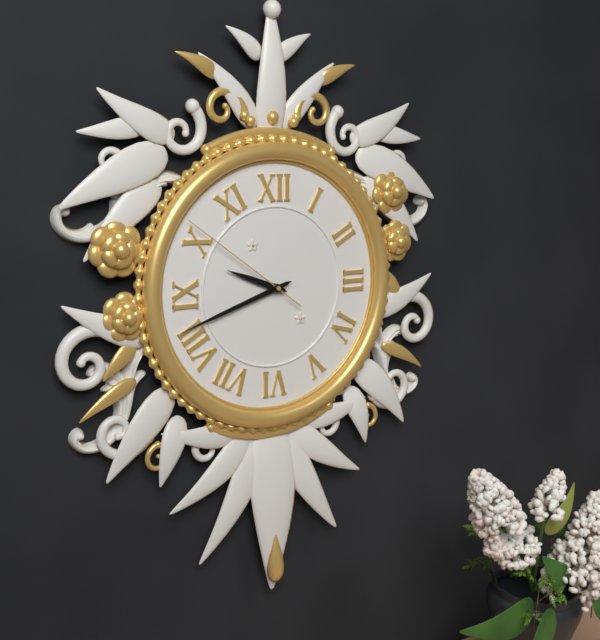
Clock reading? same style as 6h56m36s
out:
9h42m51s
